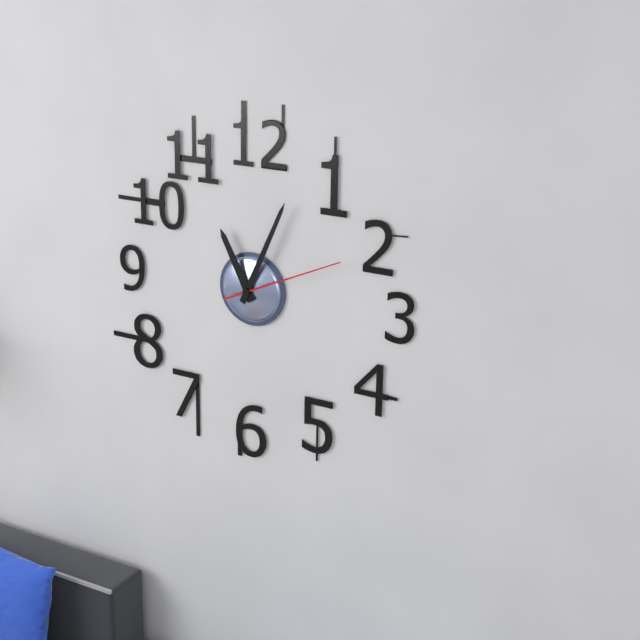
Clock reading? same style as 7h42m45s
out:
11h04m11s
